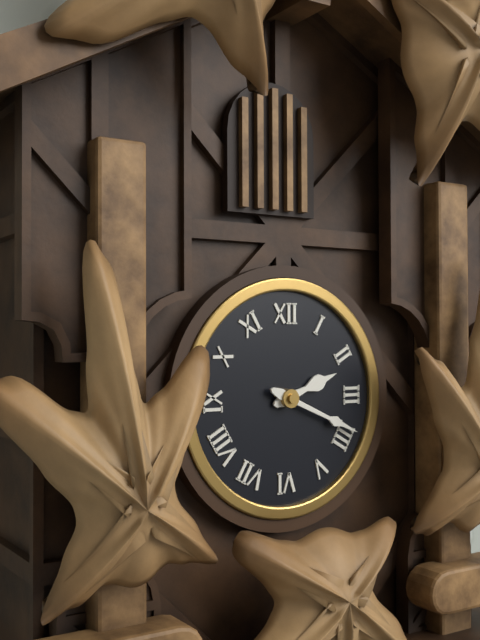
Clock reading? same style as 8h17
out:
2h19
